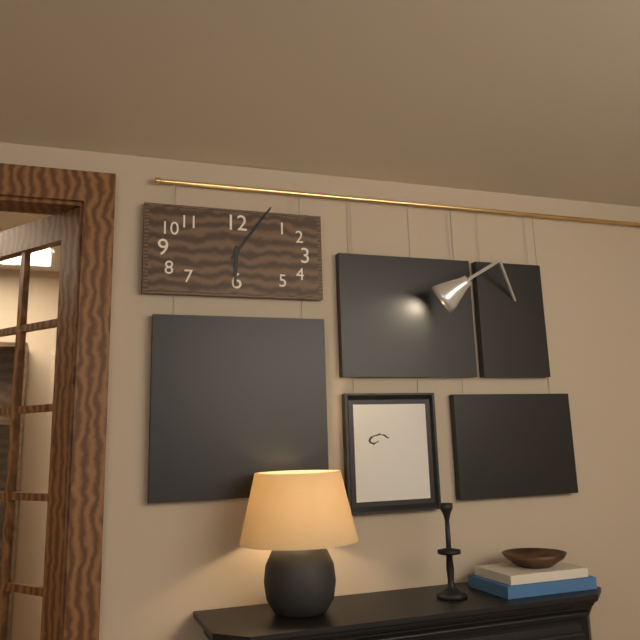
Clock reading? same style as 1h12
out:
6h06
